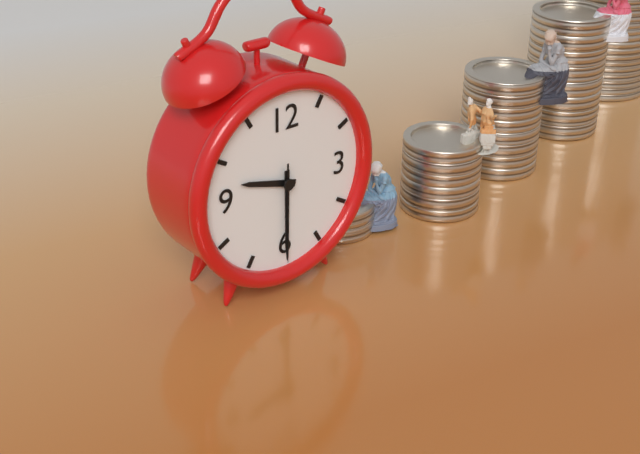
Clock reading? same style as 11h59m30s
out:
9h30m30s
